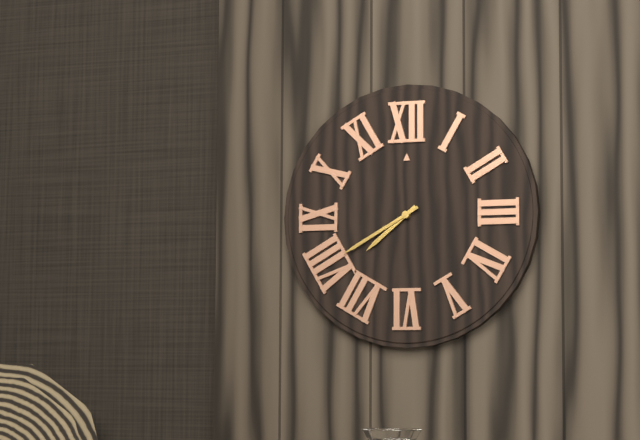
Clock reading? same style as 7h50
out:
7h40
